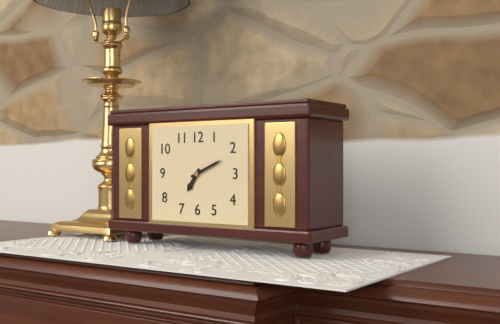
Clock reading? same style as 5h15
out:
7h11
